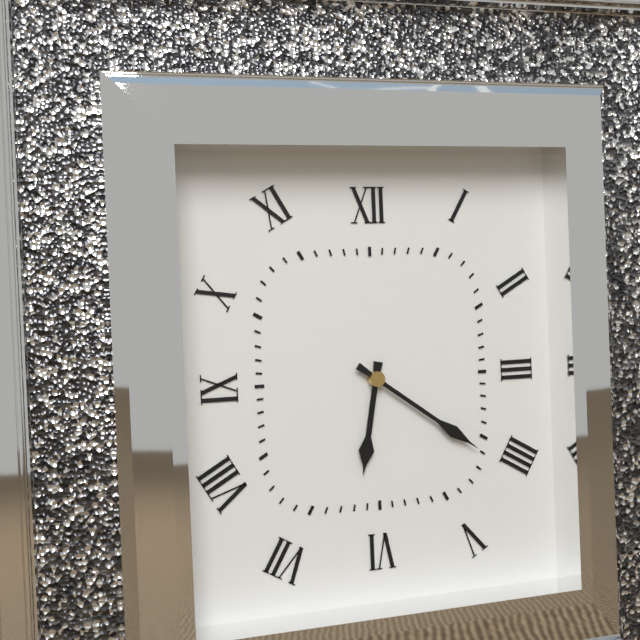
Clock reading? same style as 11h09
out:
6h21
